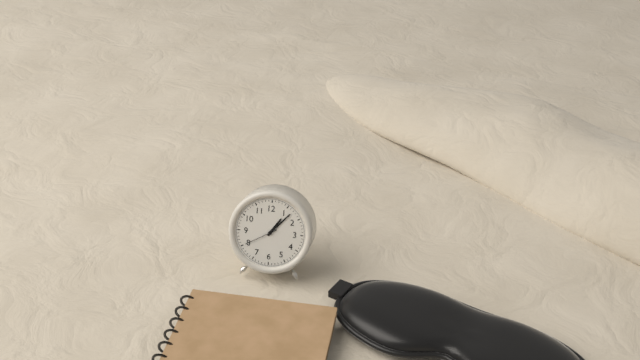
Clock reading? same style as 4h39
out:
1h07
